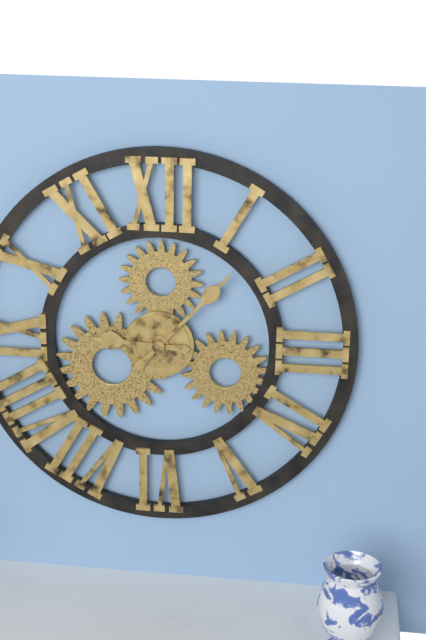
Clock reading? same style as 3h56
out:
9h07
